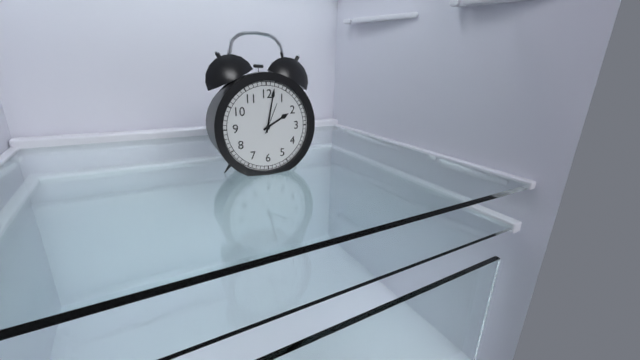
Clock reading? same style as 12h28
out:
2h02
